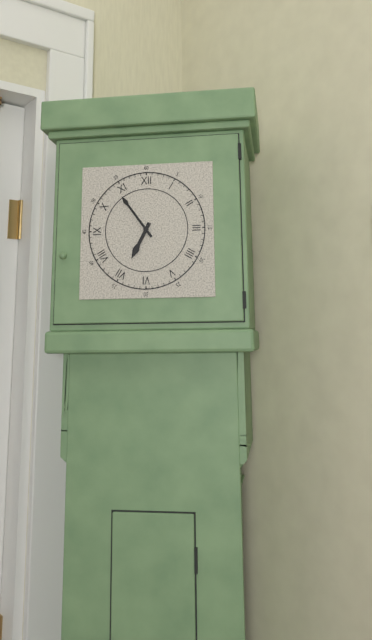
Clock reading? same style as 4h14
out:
6h54
